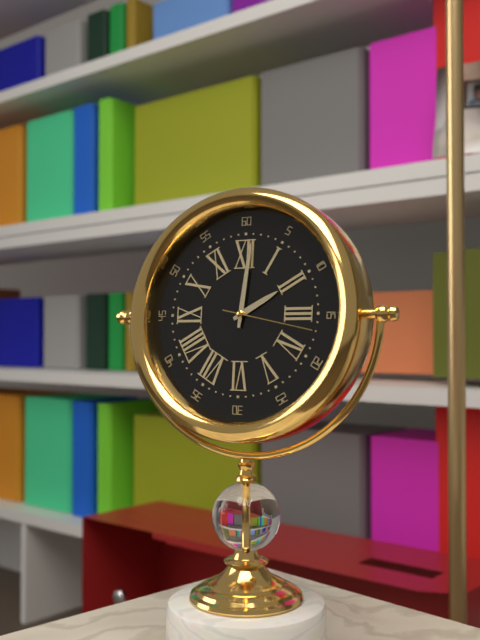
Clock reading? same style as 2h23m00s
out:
2h01m17s
